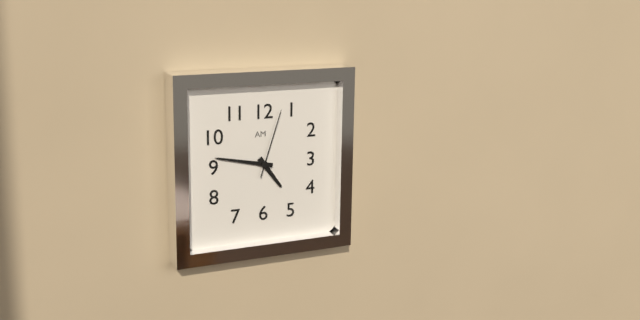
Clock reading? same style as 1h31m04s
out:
4h47m03s
